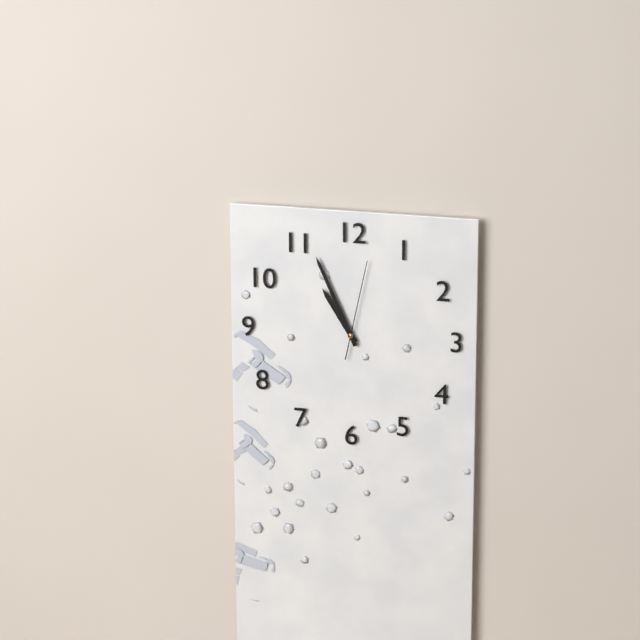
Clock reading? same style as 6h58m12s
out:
10h56m02s
